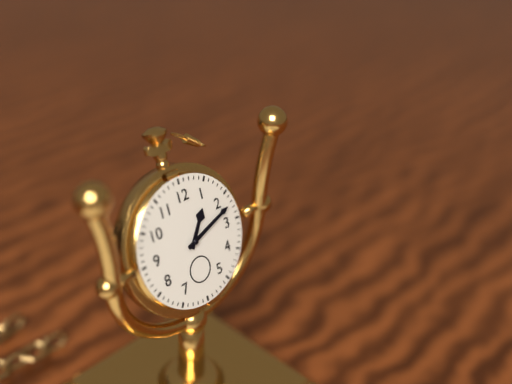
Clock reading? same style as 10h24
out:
1h12
